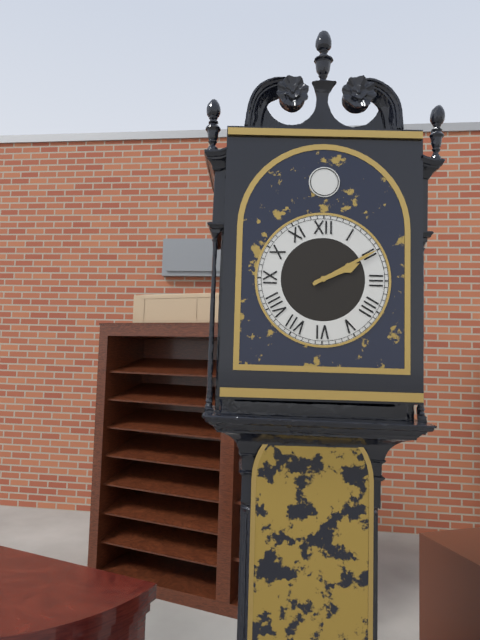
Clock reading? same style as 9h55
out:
2h10
